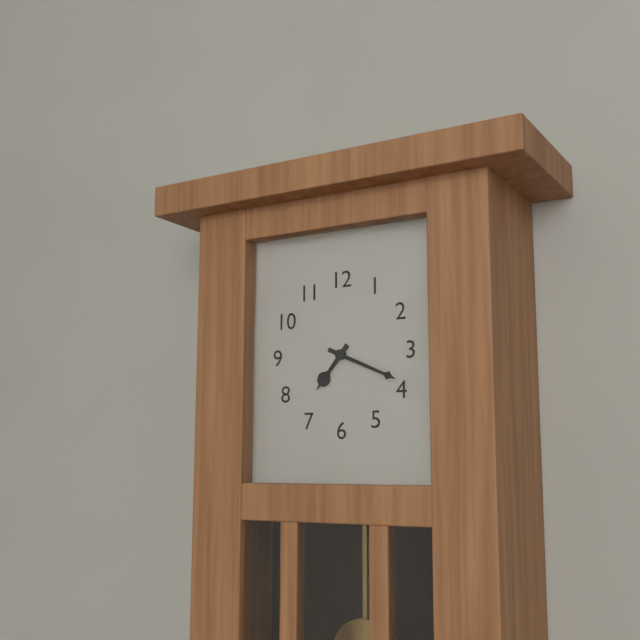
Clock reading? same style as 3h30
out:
7h19
